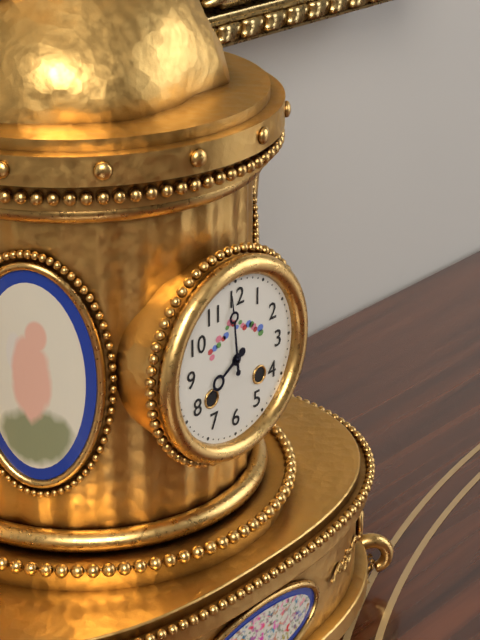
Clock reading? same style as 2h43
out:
7h59
